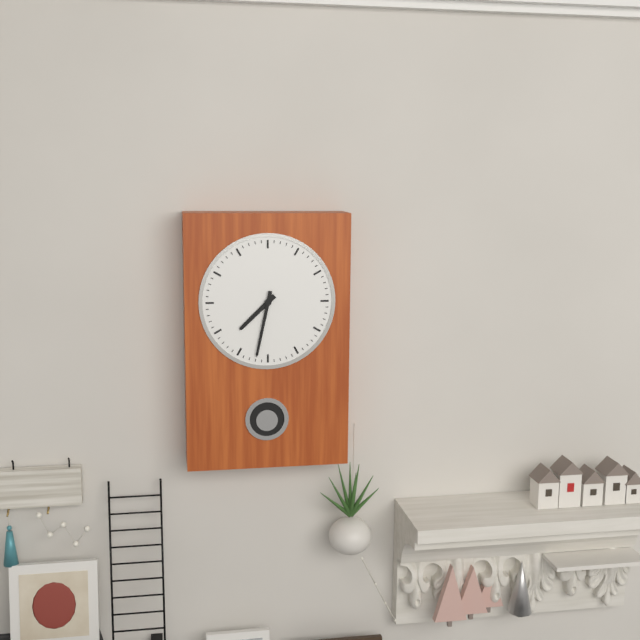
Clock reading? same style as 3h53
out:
7h32
